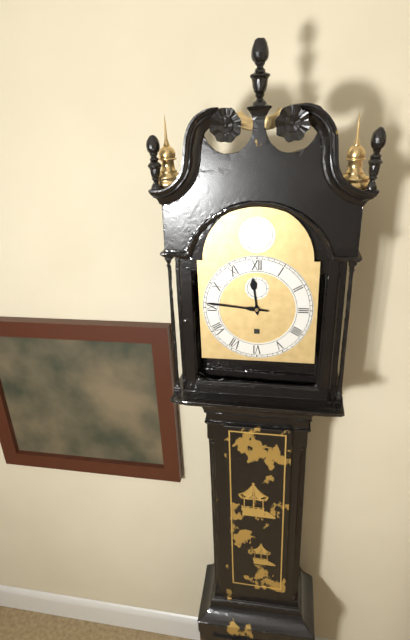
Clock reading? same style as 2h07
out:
11h46
